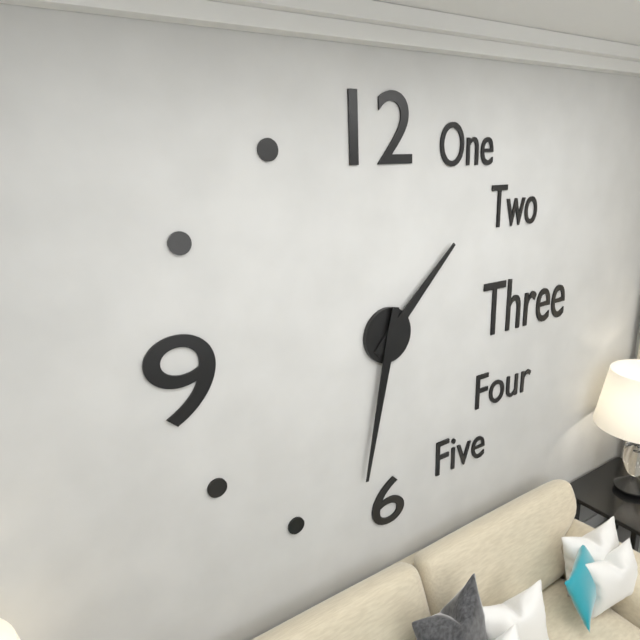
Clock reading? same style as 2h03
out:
1h32
